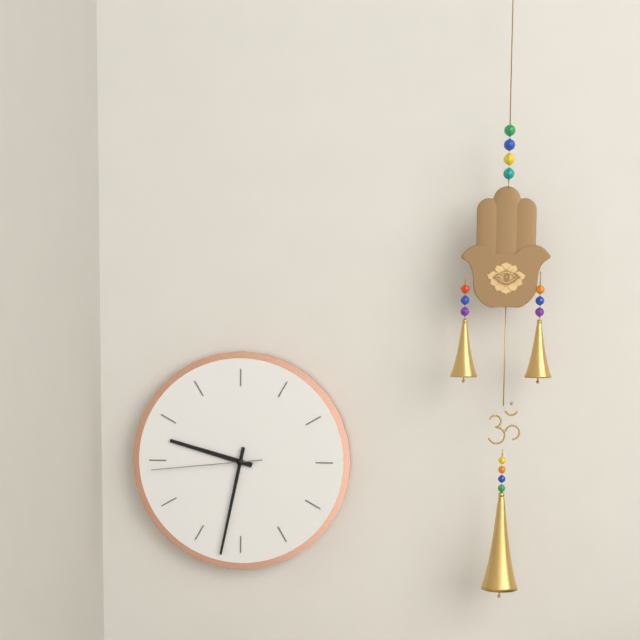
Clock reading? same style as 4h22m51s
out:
9h32m44s
